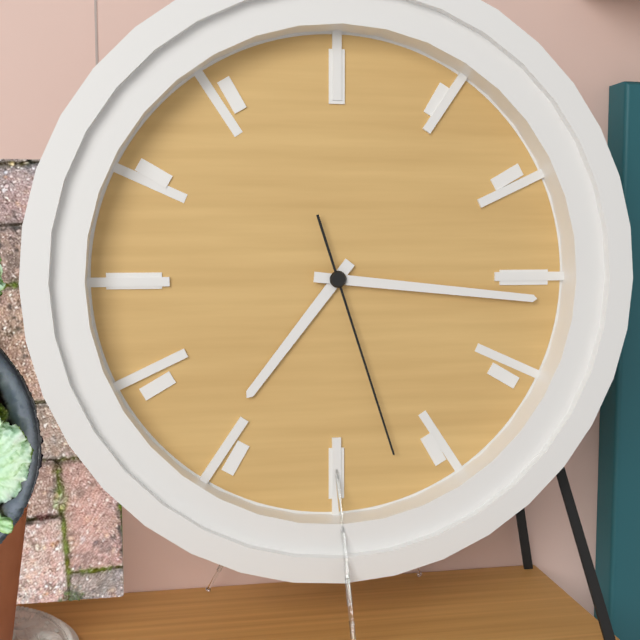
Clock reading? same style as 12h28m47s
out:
7h16m27s
